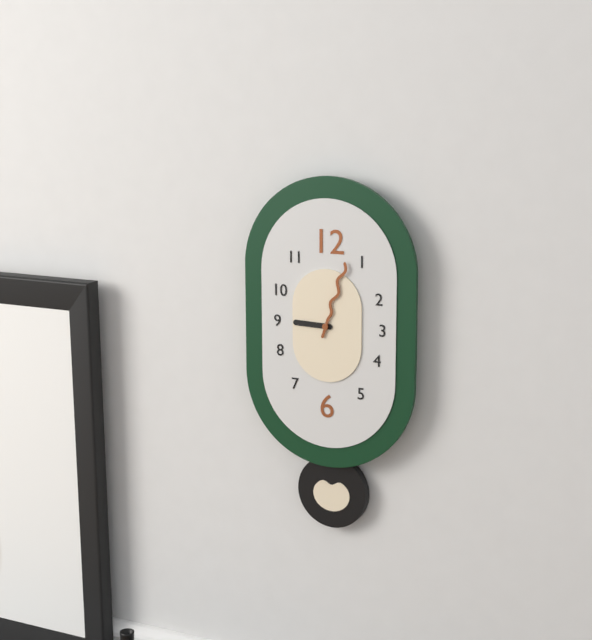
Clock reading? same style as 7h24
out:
9h03
